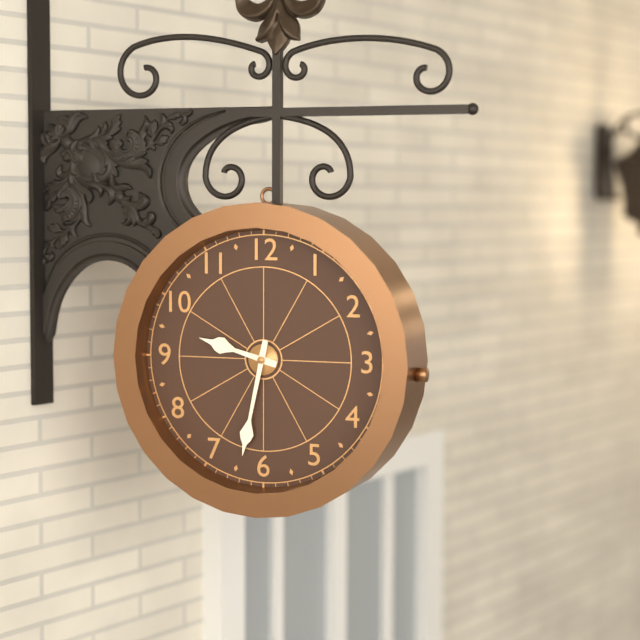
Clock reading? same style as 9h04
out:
9h32
